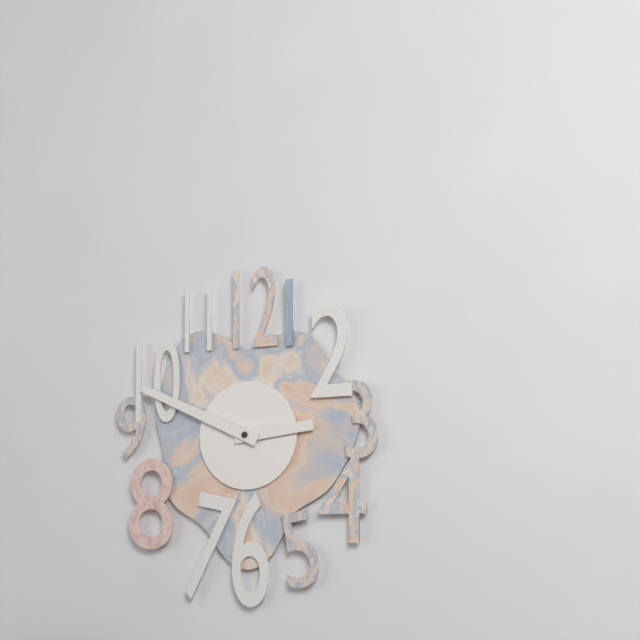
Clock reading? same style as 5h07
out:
2h49
